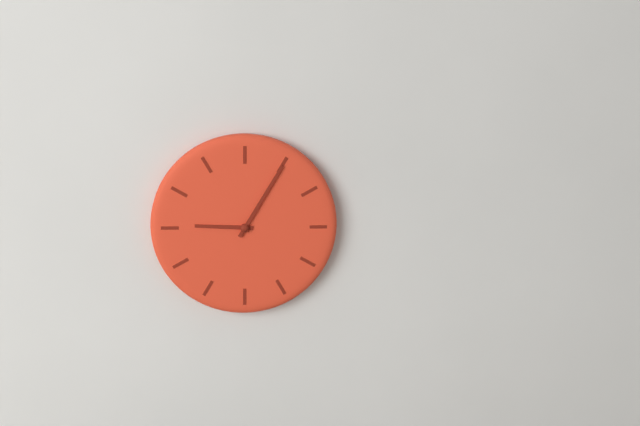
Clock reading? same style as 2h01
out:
9h05
